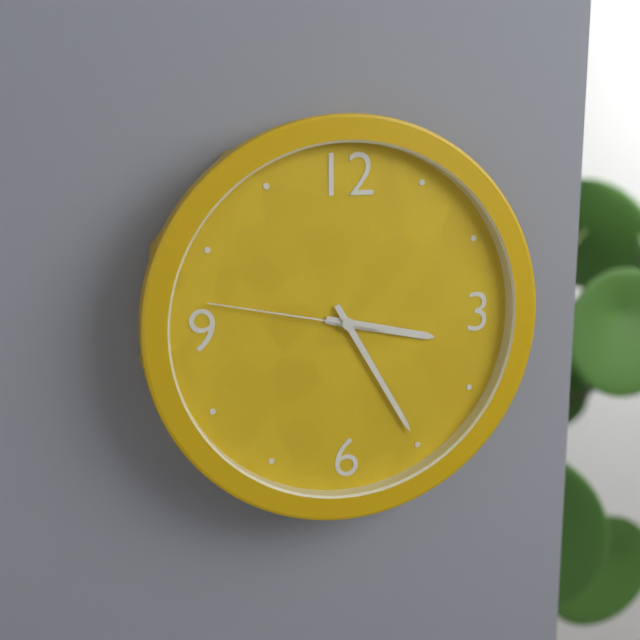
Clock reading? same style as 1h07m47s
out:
3h25m47s
